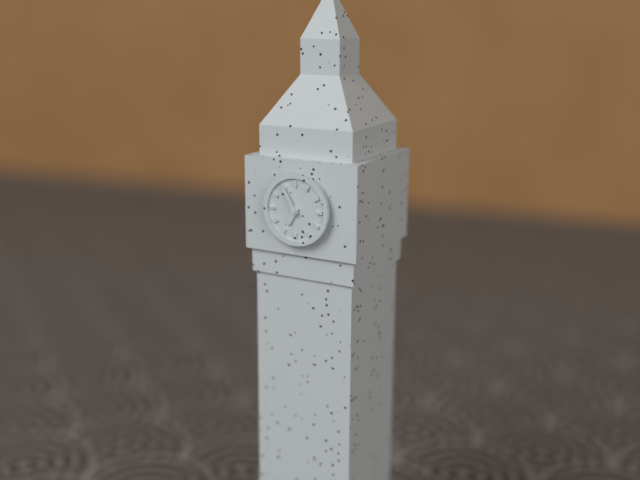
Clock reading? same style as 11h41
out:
6h55
